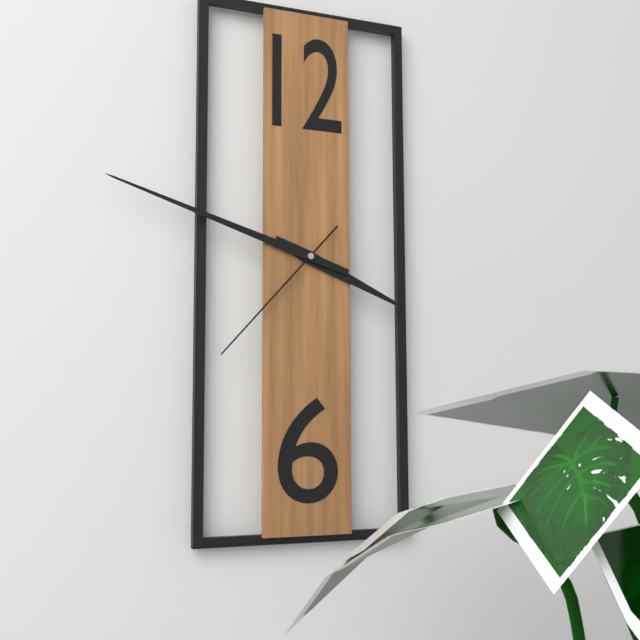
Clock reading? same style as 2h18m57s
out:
3h48m37s
